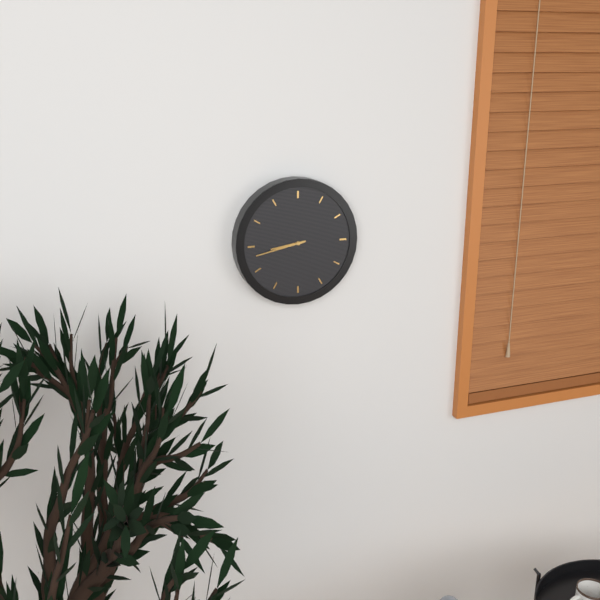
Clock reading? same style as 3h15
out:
8h43
